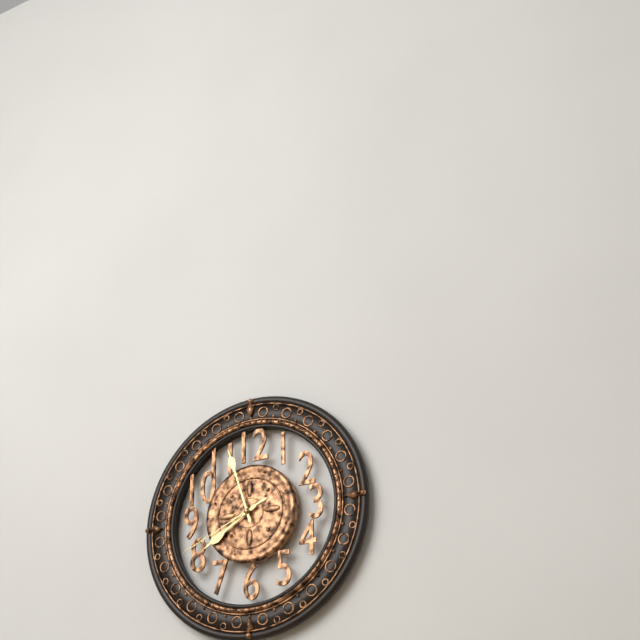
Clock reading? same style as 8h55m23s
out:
7h57m41s
